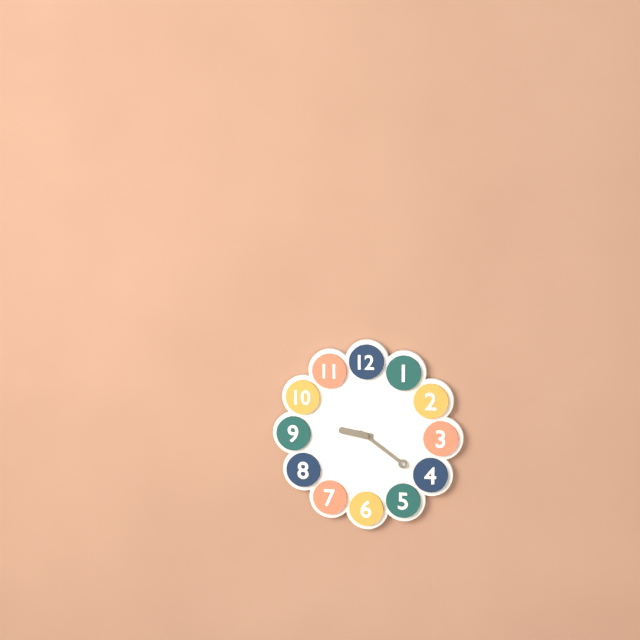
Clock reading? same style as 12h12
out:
9h21
